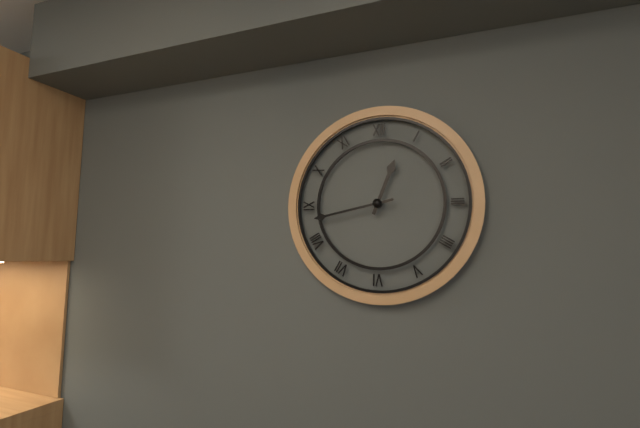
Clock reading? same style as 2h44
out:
12h43
